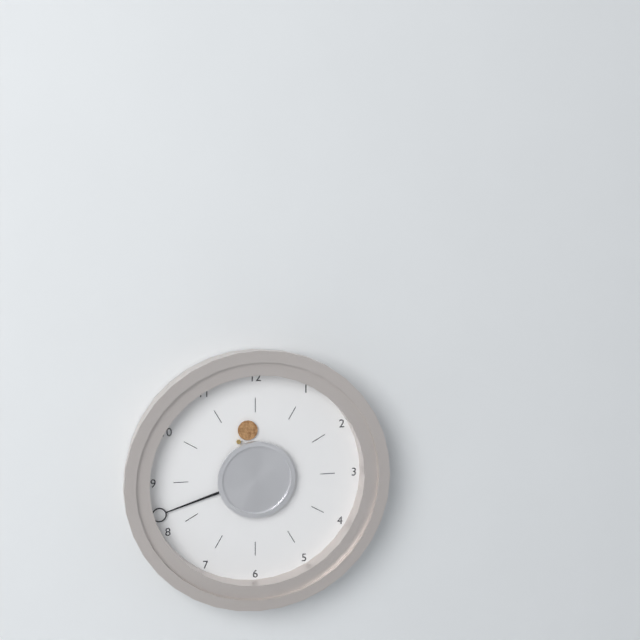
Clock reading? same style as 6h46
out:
11h42
